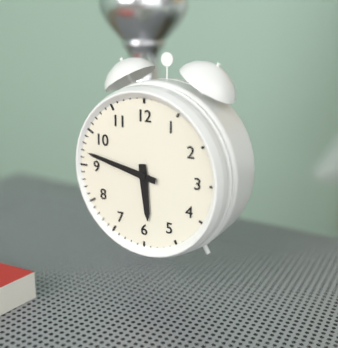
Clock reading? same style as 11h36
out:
5h47
